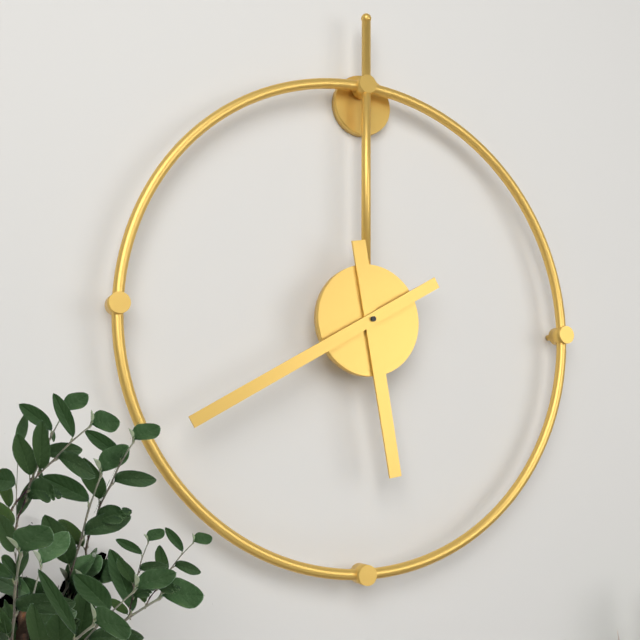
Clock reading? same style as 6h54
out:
5h40
